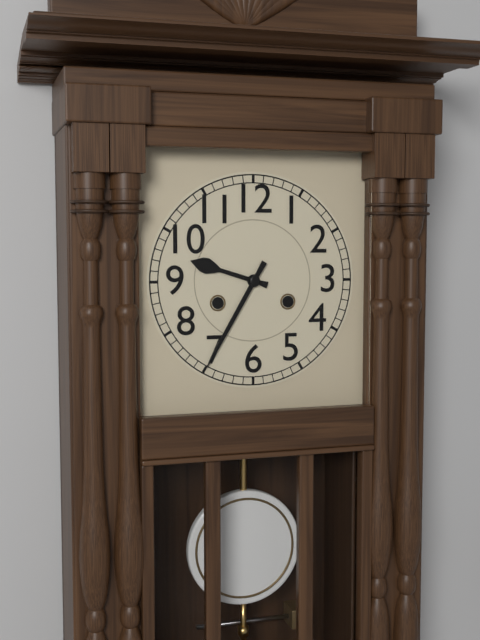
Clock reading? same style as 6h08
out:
9h35
